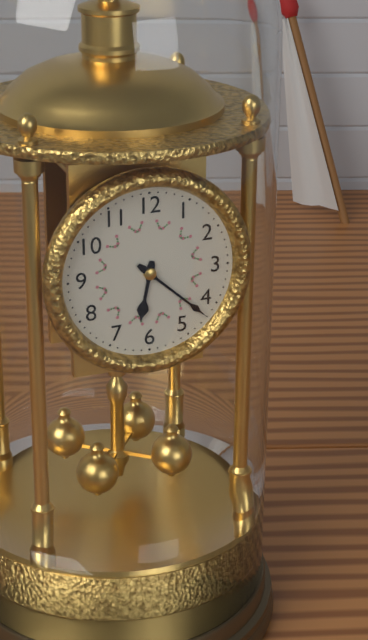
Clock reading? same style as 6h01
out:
6h22
